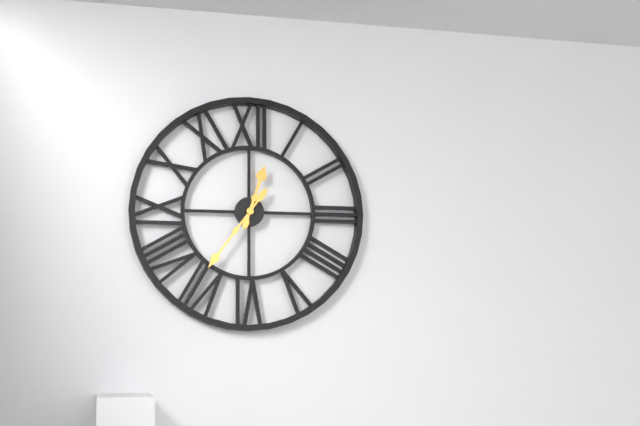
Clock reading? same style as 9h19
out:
12h36
